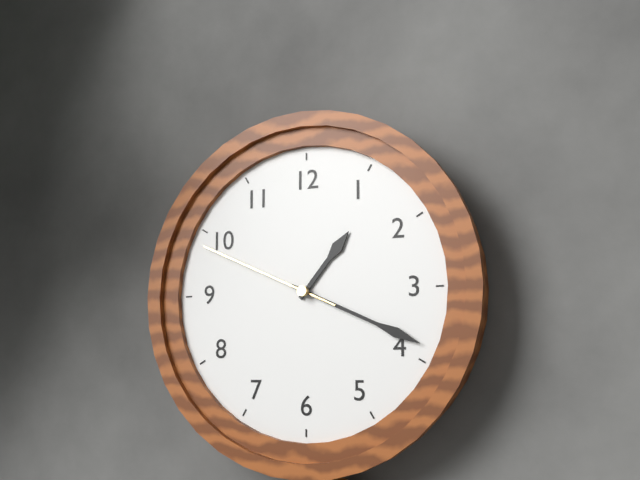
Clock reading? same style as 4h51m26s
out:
1h19m49s
